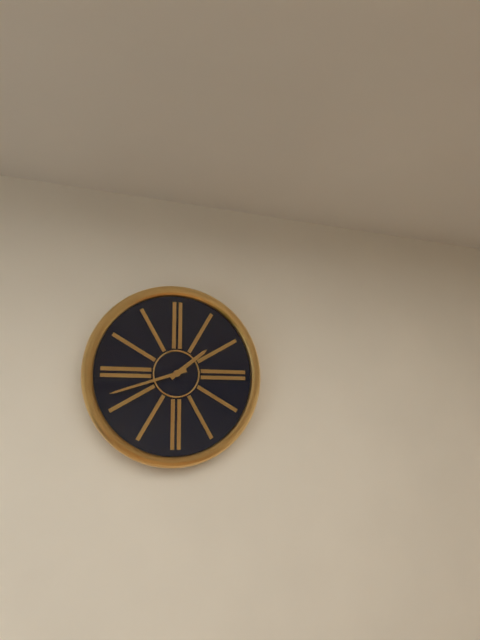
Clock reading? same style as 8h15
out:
1h42
